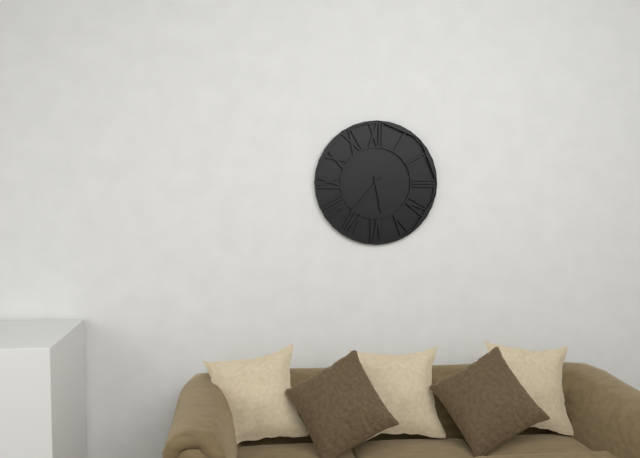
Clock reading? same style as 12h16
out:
5h37
